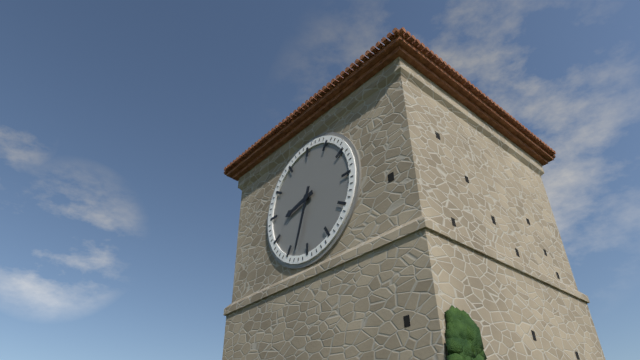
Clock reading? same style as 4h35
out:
8h33
